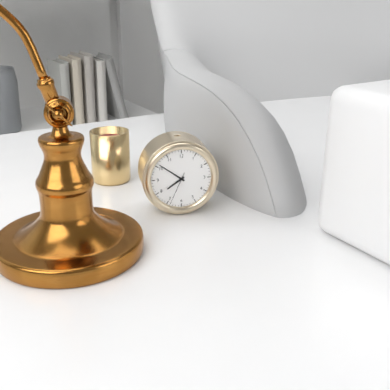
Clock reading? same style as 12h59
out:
7h51
